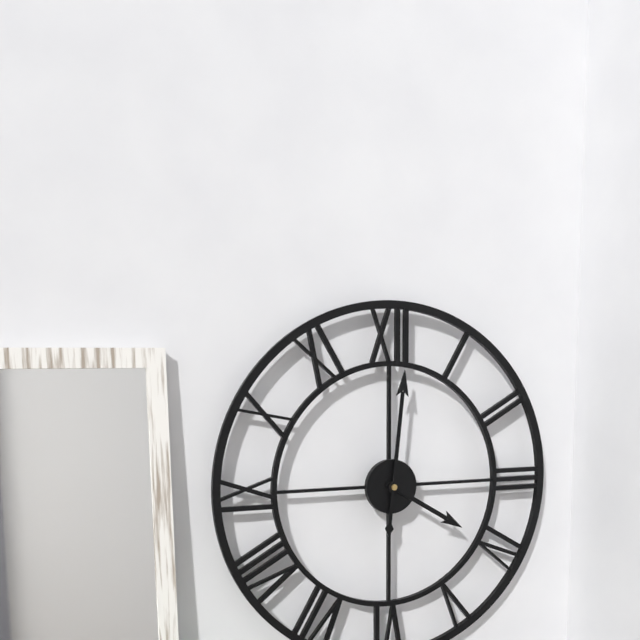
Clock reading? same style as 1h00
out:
4h01
